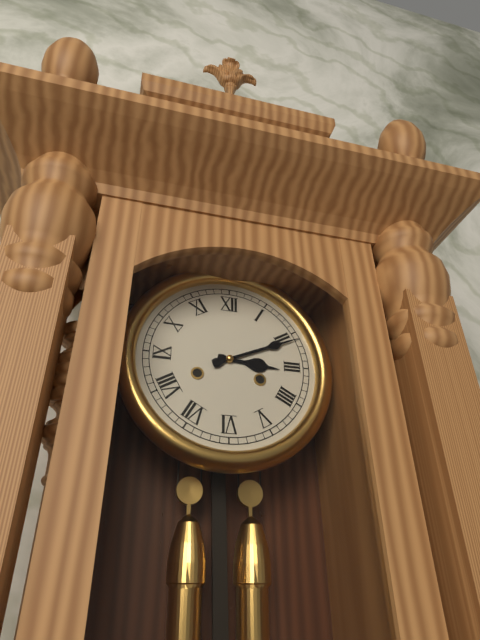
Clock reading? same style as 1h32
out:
3h11
